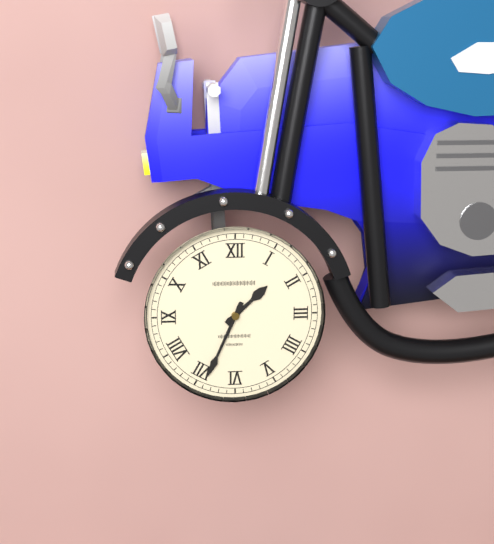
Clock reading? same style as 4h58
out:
1h34
